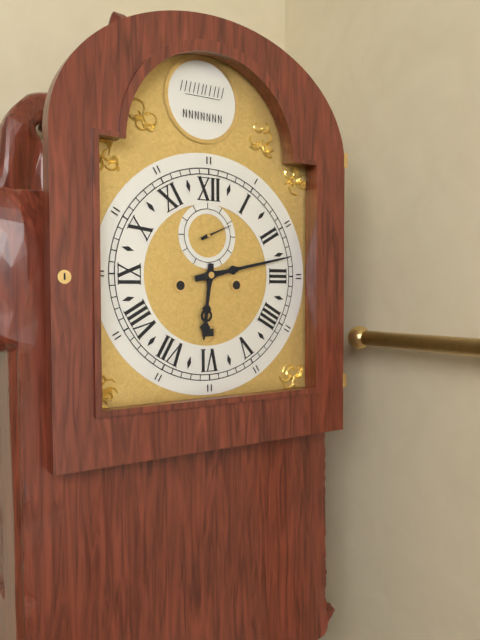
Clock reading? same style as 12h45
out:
6h13
